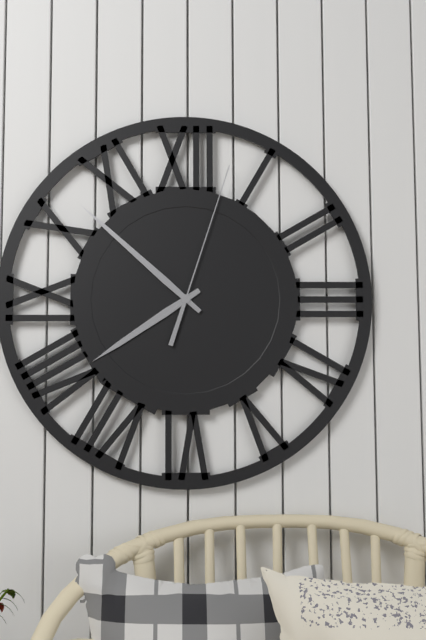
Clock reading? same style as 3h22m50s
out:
7h52m03s
